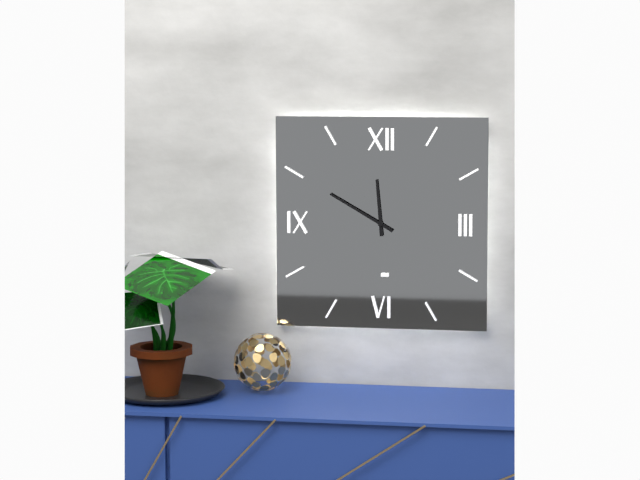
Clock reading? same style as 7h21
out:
11h50
